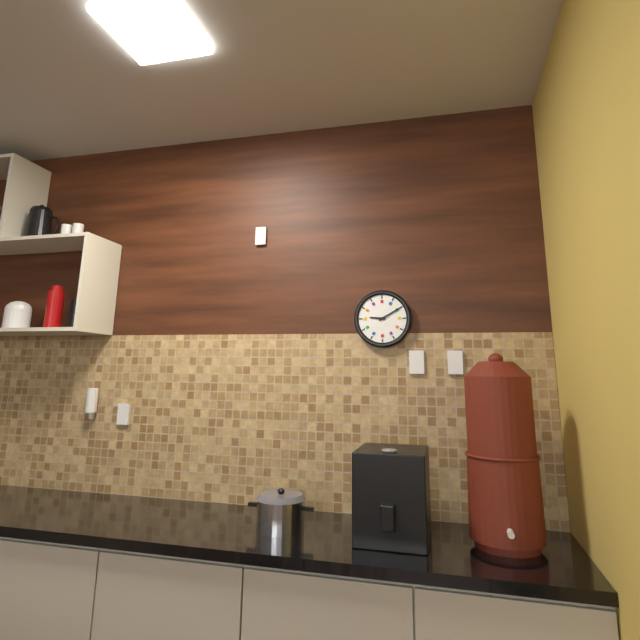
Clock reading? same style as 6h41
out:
9h10
